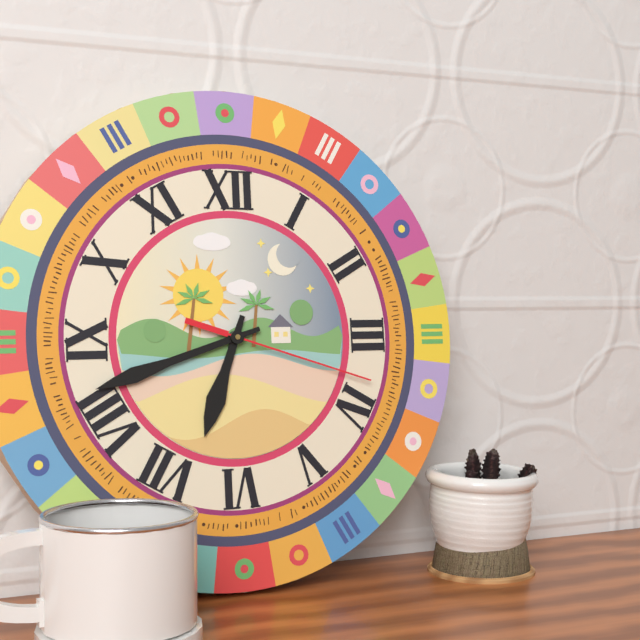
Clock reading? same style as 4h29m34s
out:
6h42m18s
